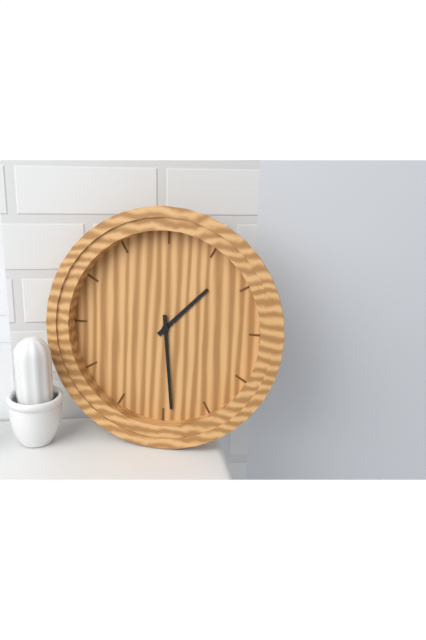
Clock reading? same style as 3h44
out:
1h29
